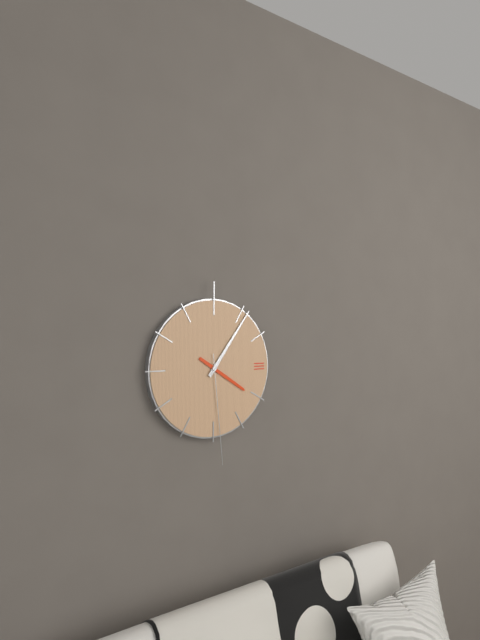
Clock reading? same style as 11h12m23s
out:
4h06m29s
